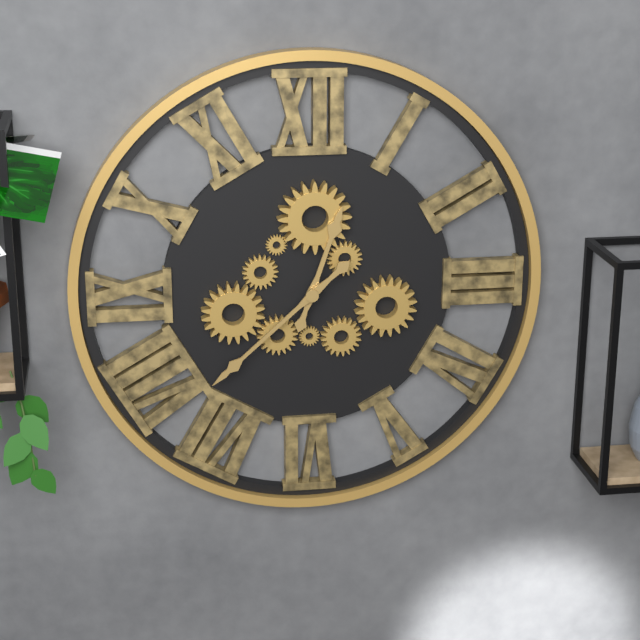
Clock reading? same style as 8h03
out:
12h38
